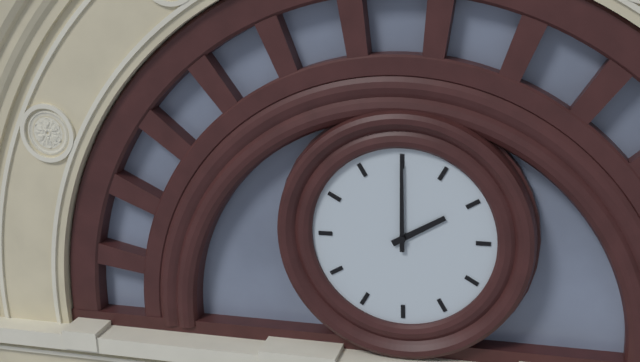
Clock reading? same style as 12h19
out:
2h00
